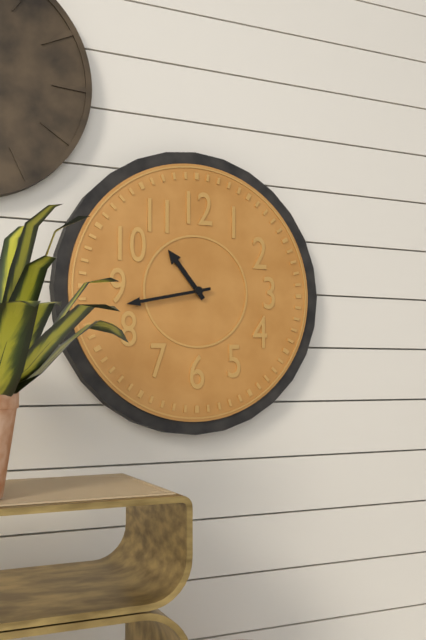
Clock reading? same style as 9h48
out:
10h43
